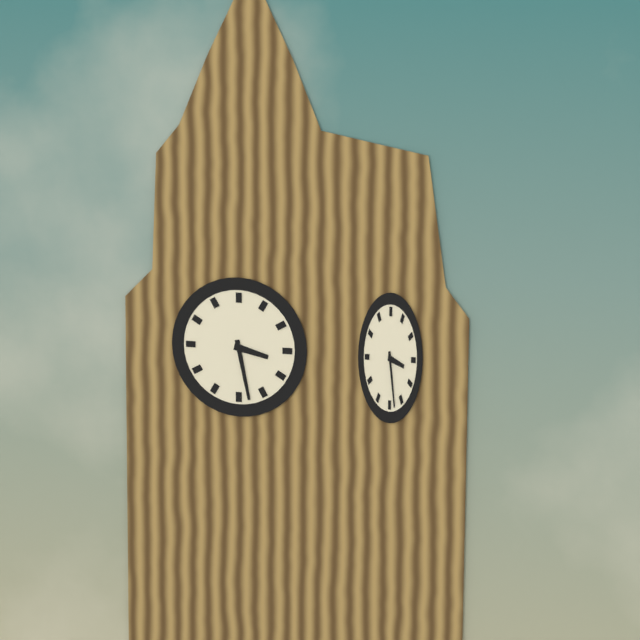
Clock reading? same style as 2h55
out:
3h28
